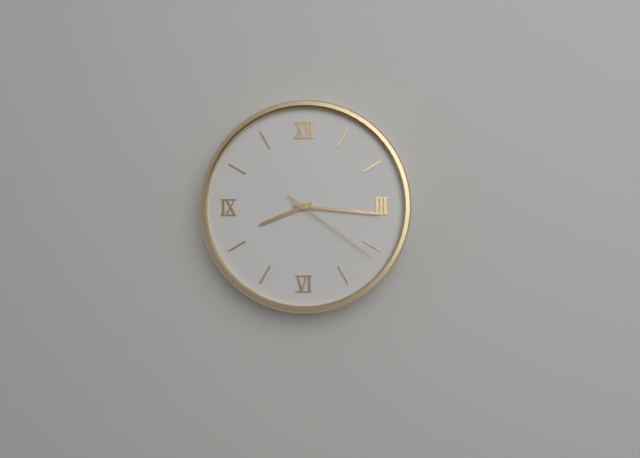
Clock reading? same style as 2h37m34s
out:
8h16m21s
